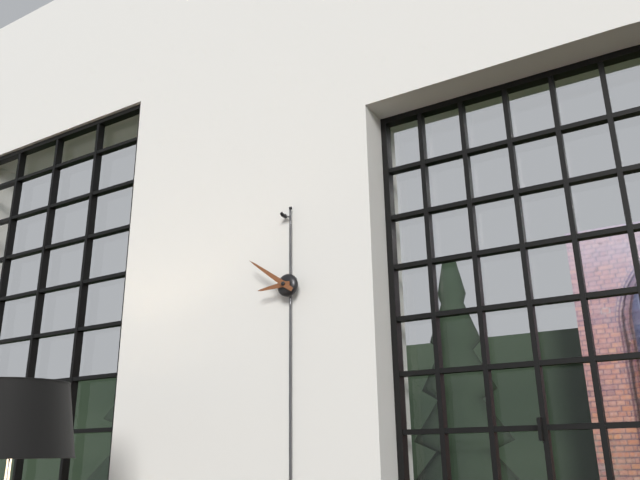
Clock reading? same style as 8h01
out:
8h51
